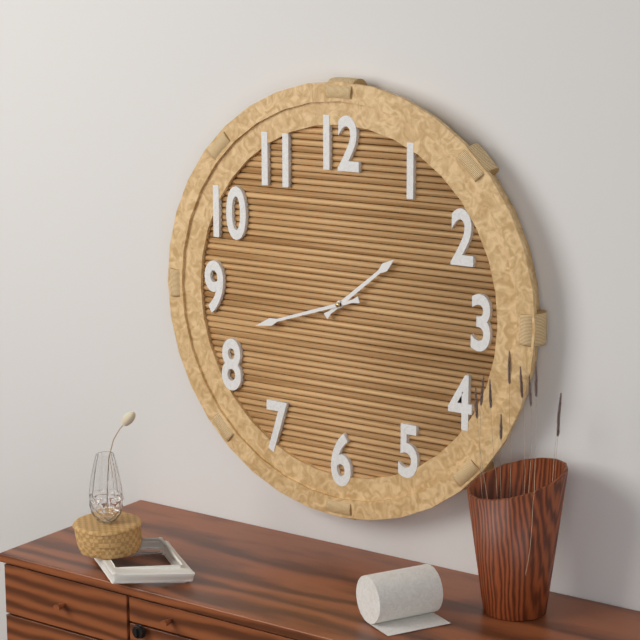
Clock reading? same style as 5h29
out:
1h42
